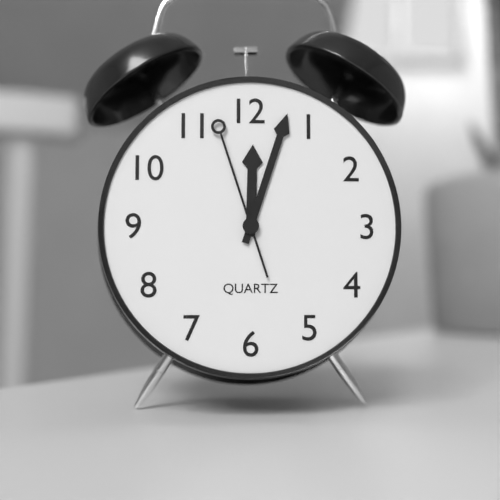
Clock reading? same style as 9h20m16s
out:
12h03m57s
